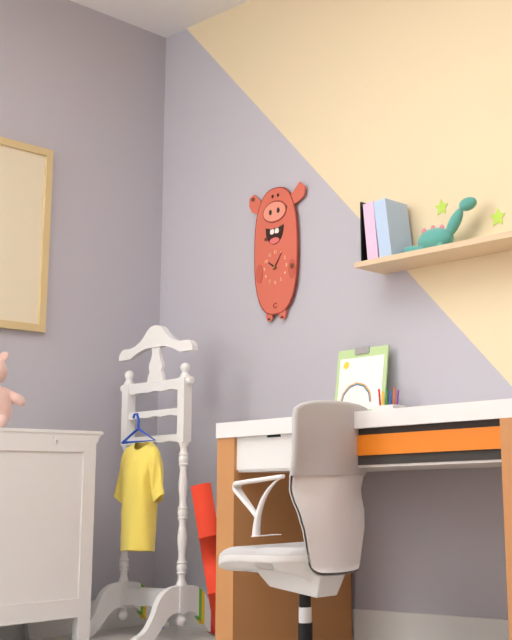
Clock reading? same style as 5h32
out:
10h06
